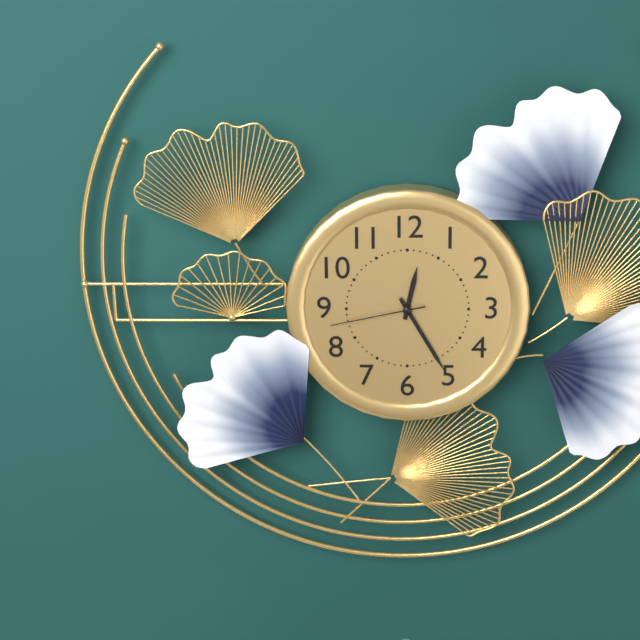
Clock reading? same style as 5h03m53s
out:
12h25m43s
